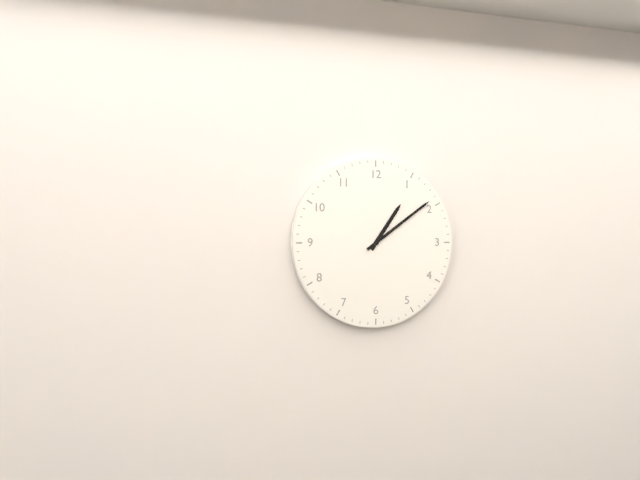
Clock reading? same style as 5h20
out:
1h09
